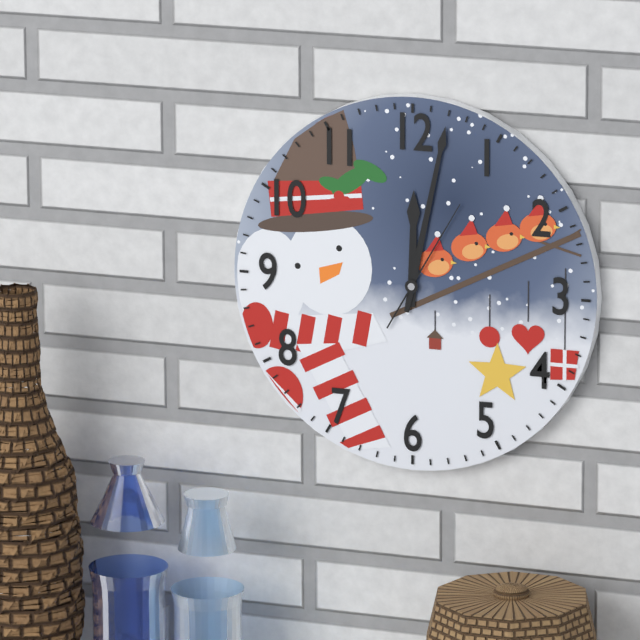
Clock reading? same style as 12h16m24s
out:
12h02m05s
